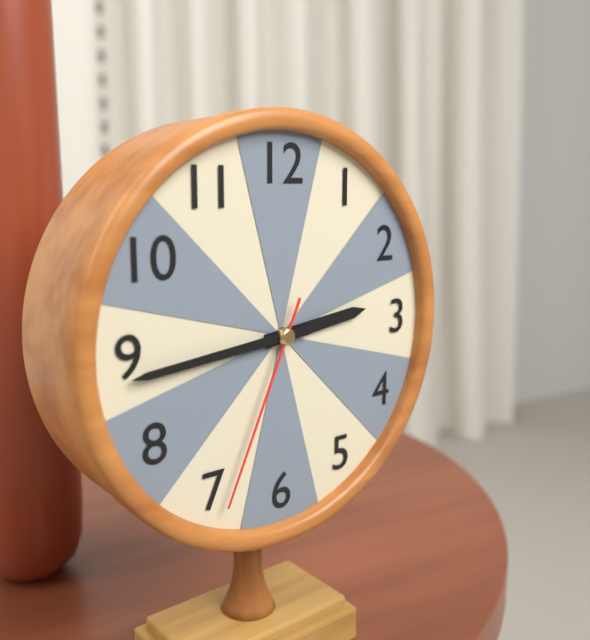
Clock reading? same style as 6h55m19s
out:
2h44m34s
